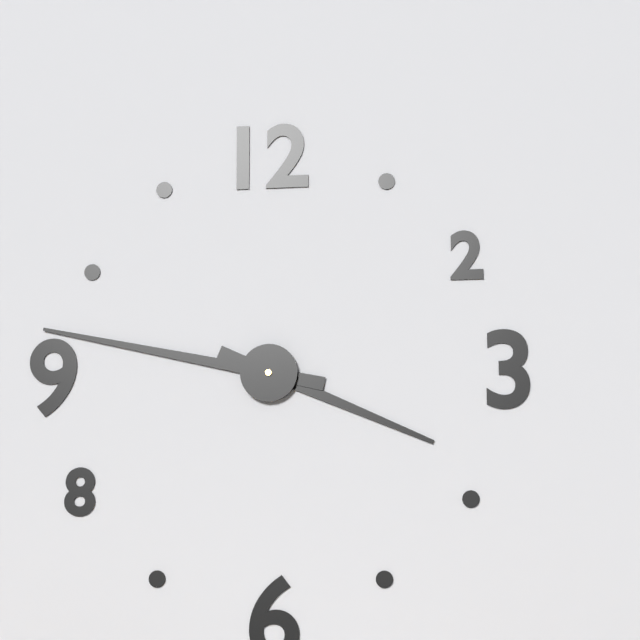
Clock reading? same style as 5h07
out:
3h47
